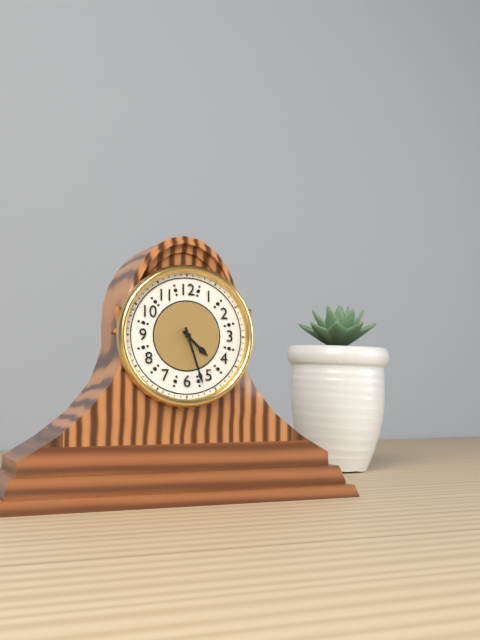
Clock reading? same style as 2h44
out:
4h27
